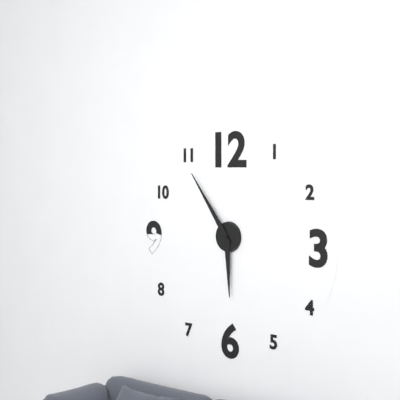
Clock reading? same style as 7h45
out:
5h54
